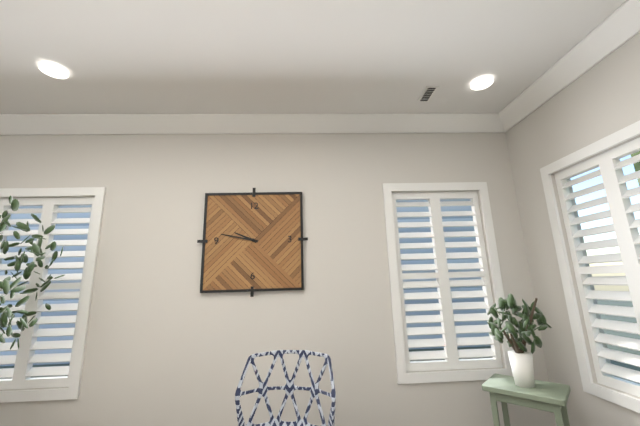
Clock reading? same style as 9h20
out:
9h47
